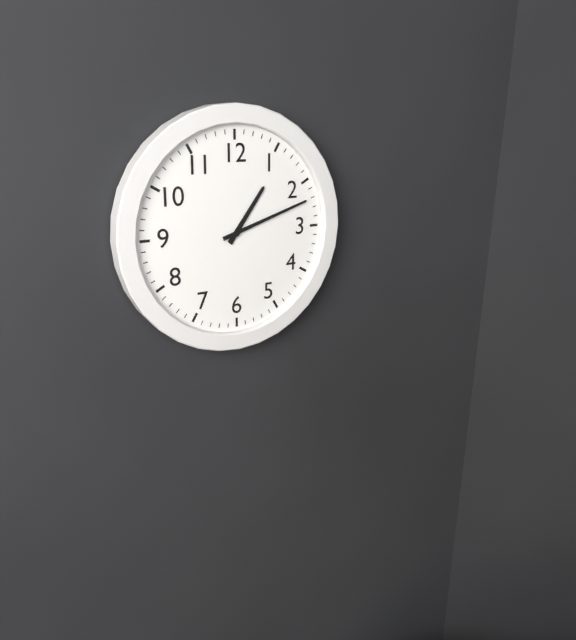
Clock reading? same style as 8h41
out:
1h12
